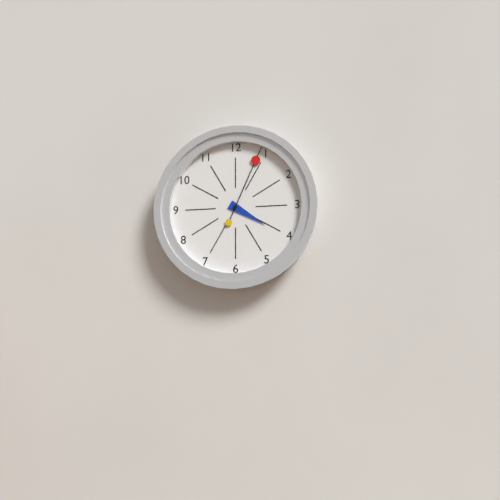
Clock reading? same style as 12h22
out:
4h04
